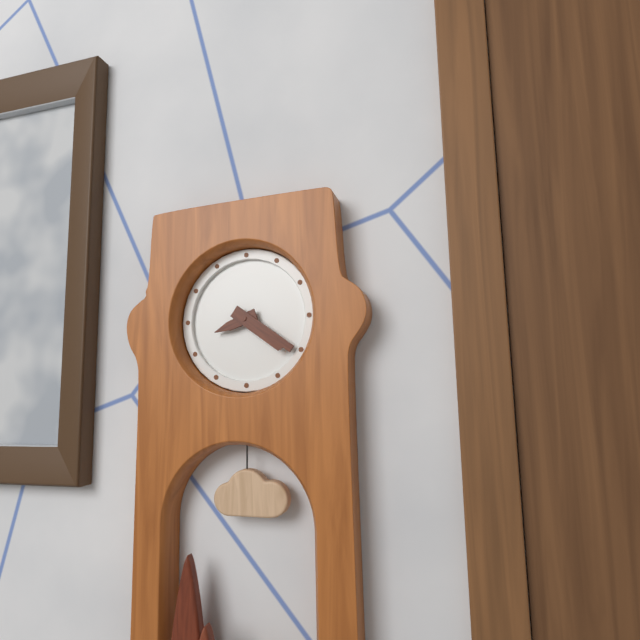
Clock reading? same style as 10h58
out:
8h21
